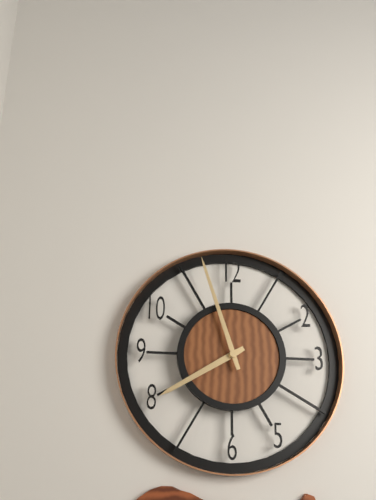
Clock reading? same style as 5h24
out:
7h57
